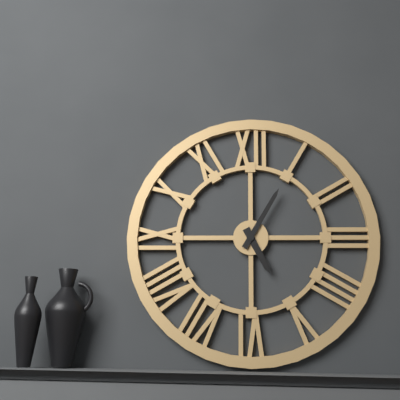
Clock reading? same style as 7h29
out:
5h05
